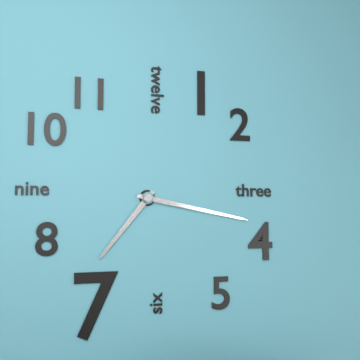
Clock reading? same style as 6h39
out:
7h17
